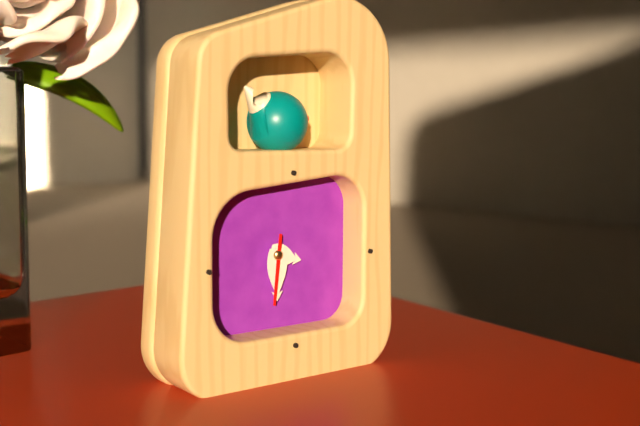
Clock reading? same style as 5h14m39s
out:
3h30m31s
